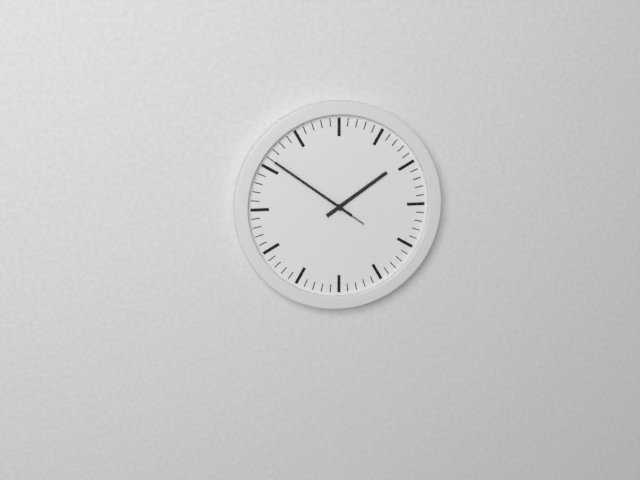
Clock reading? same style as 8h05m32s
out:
1h51m51s
